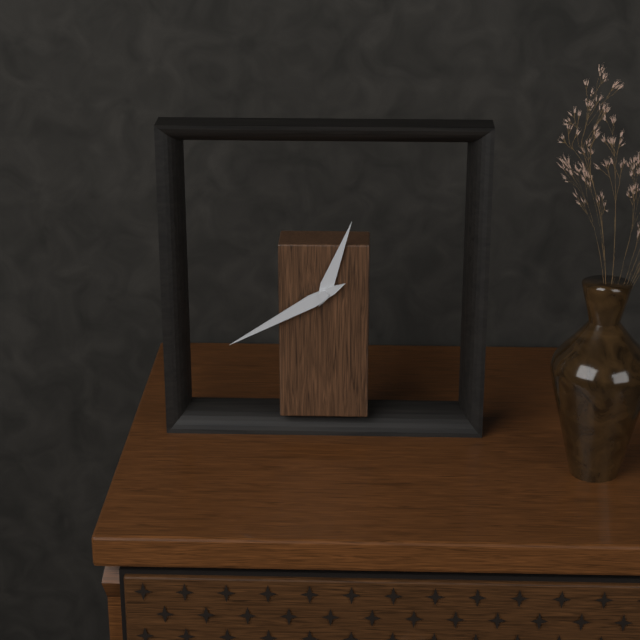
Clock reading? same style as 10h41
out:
12h40
